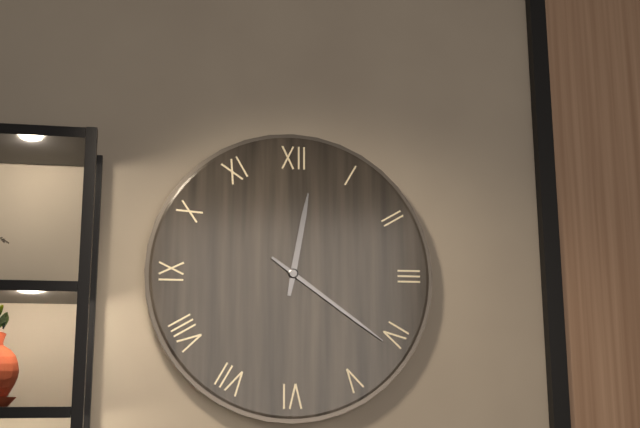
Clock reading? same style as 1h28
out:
12h21
